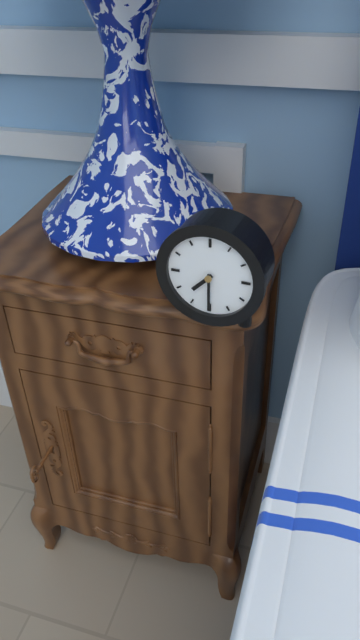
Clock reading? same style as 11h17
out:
7h30
